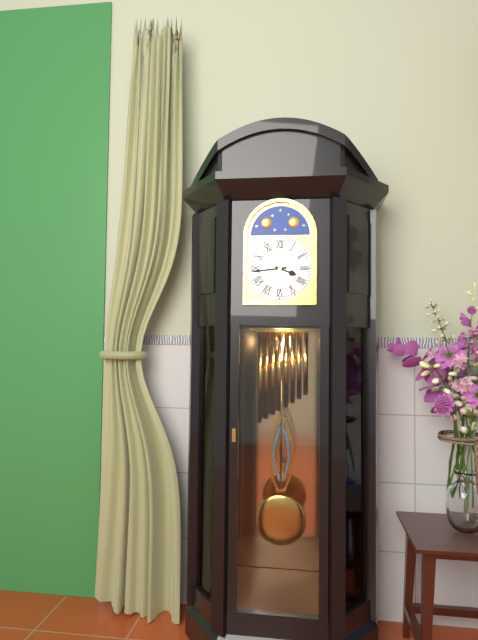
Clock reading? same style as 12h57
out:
3h44
